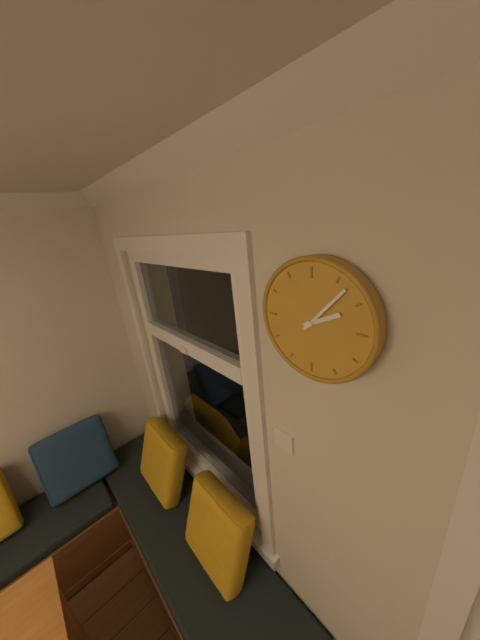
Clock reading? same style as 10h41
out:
2h07
